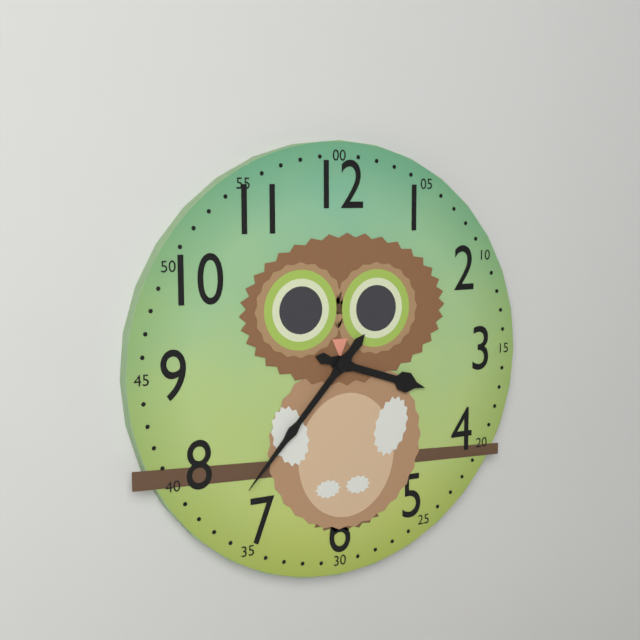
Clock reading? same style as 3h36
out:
3h37
